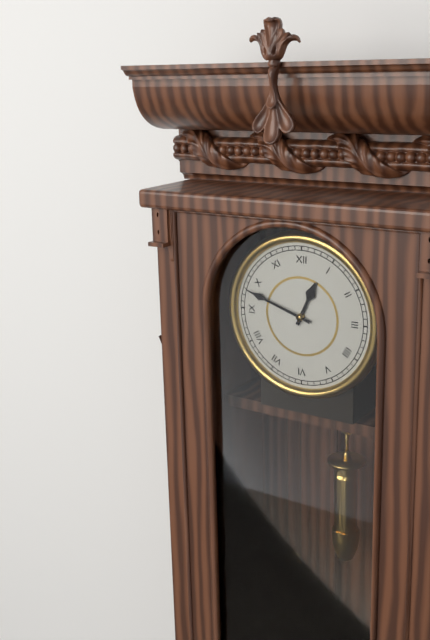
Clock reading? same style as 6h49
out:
12h48
